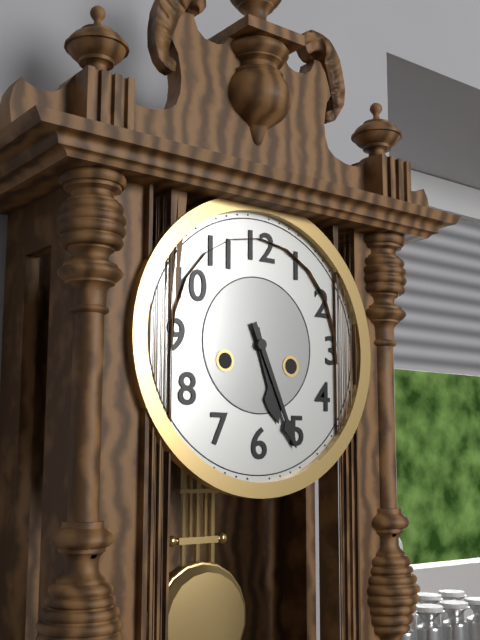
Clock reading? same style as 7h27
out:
5h26
